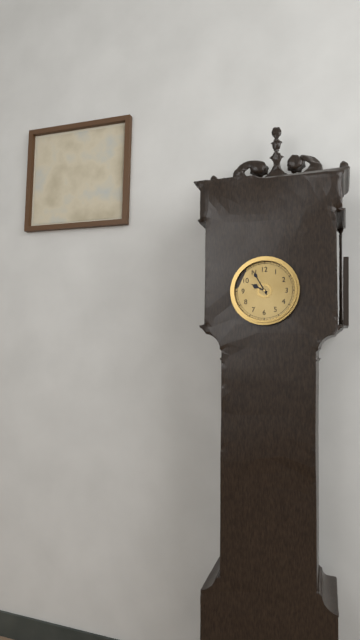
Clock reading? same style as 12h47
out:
9h55
